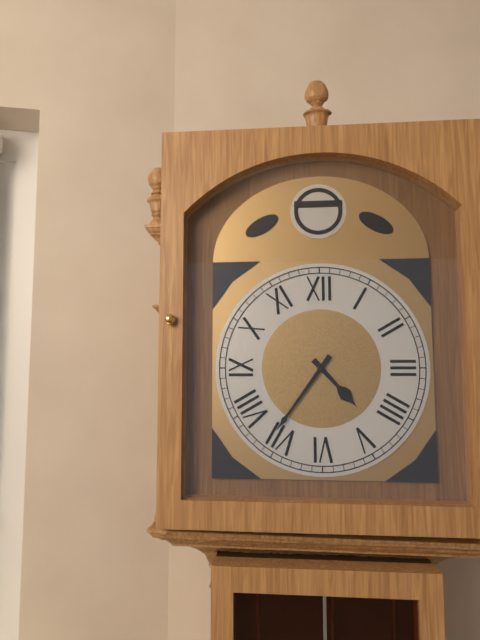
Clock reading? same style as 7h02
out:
4h36
